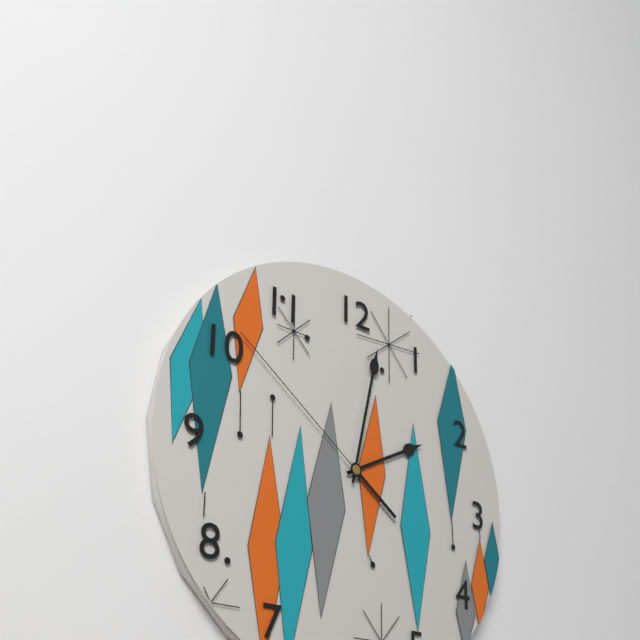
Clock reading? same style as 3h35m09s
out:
2h02m51s
